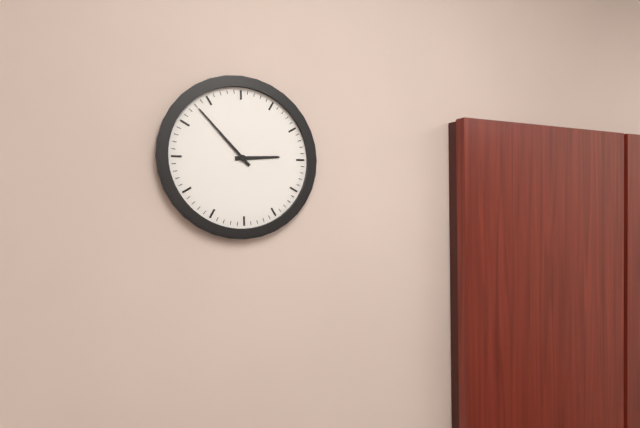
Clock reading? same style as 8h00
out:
2h53
